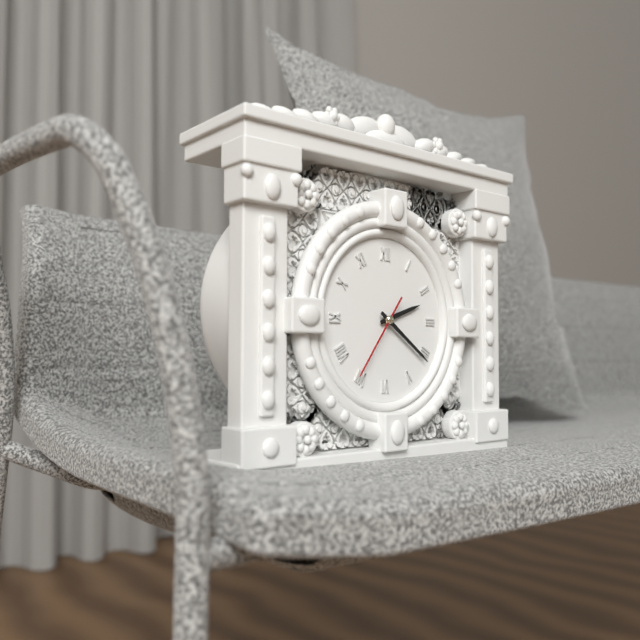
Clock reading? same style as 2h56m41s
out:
2h21m36s
